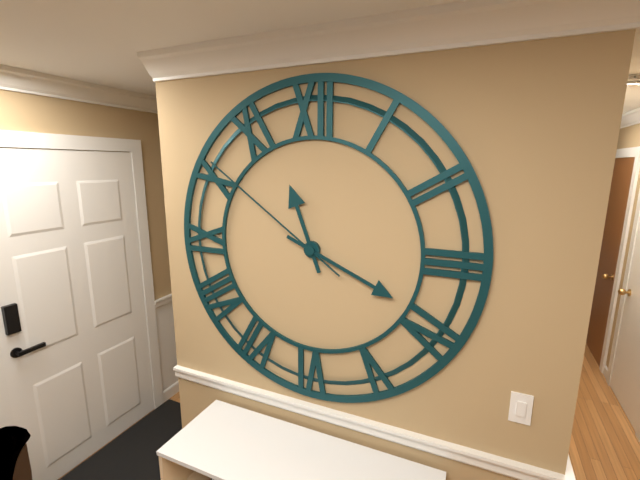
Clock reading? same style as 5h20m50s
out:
11h19m51s
